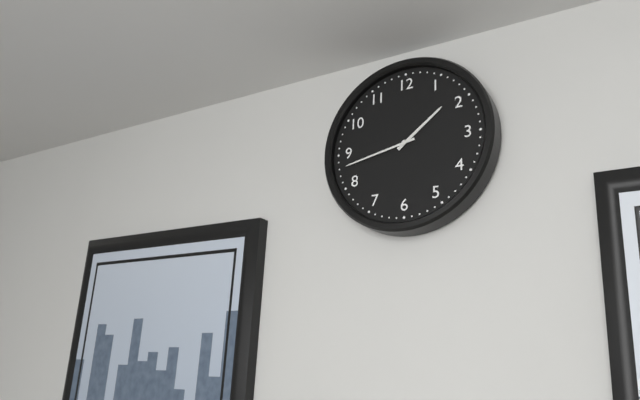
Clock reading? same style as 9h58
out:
1h43
